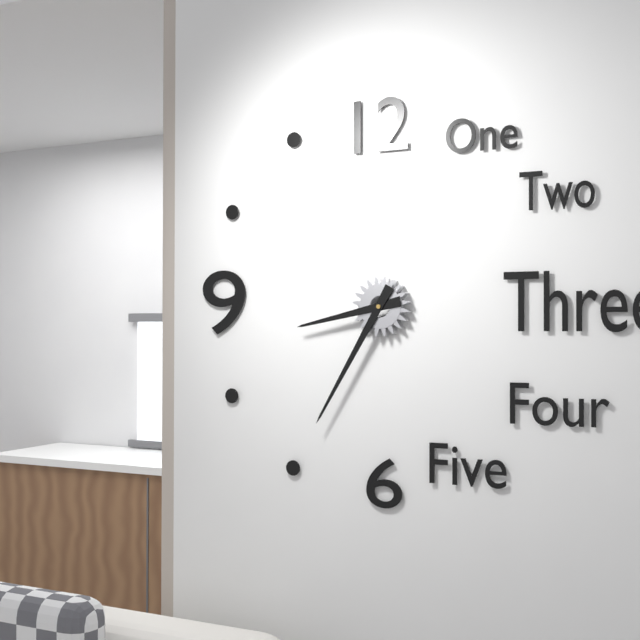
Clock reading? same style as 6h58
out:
8h35
